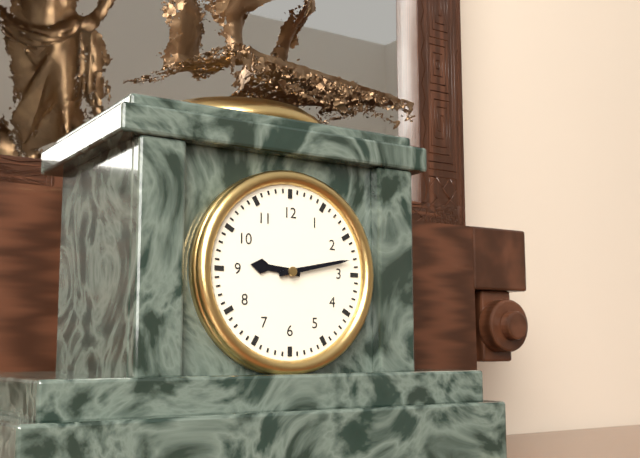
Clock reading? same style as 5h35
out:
9h13
